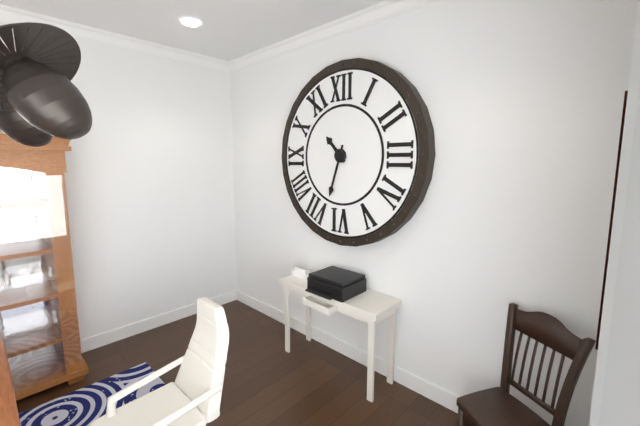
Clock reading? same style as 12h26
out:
10h33
